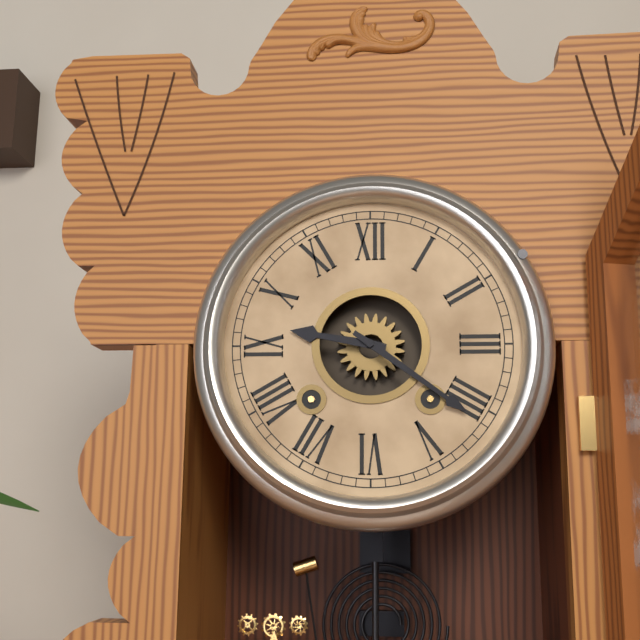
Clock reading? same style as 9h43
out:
9h21
